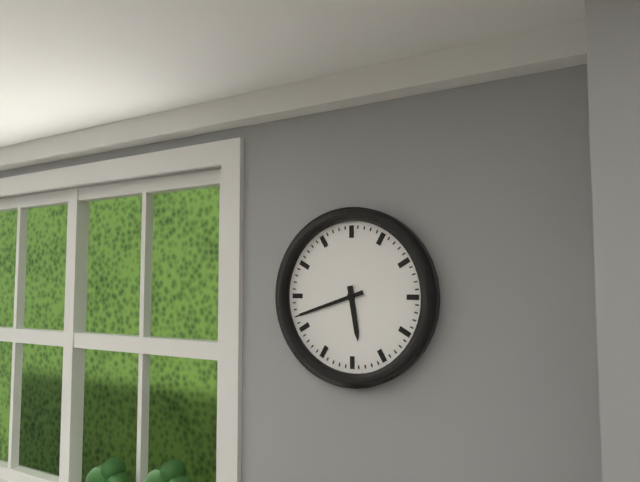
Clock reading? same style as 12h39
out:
5h42
